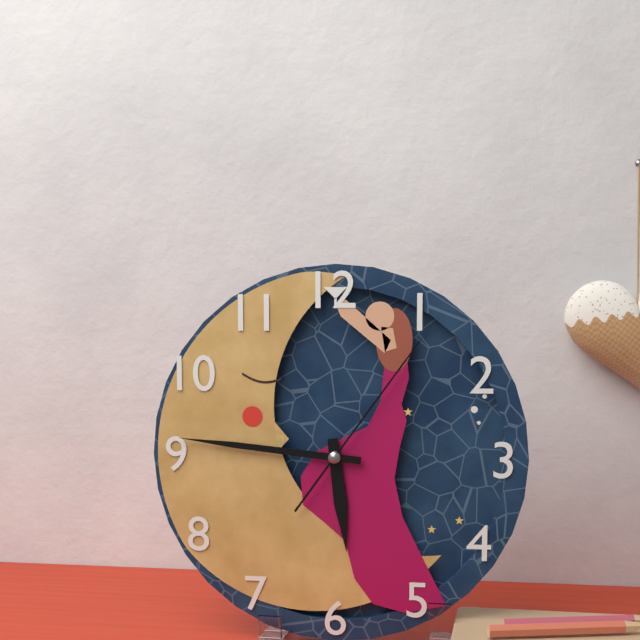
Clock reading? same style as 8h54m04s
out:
5h46m06s
